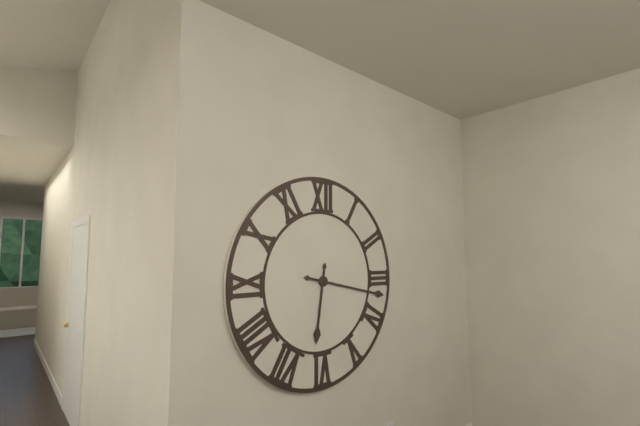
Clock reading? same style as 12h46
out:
6h17
